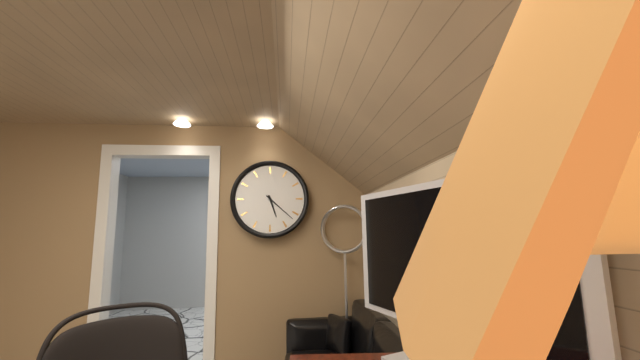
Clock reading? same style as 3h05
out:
5h22
